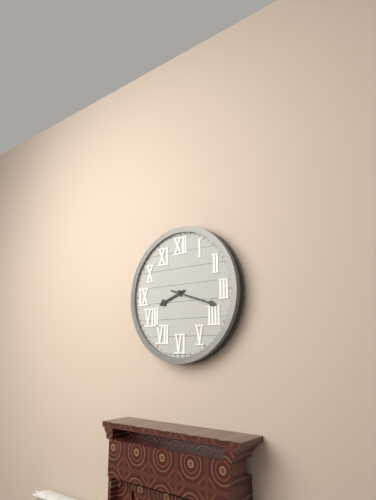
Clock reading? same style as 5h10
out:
8h18
